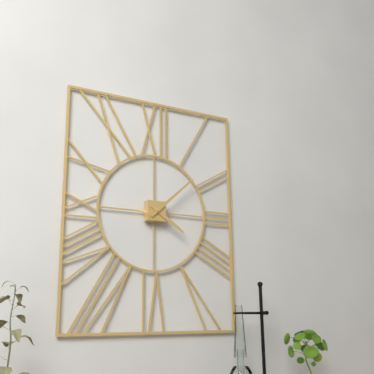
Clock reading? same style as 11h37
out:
4h08
